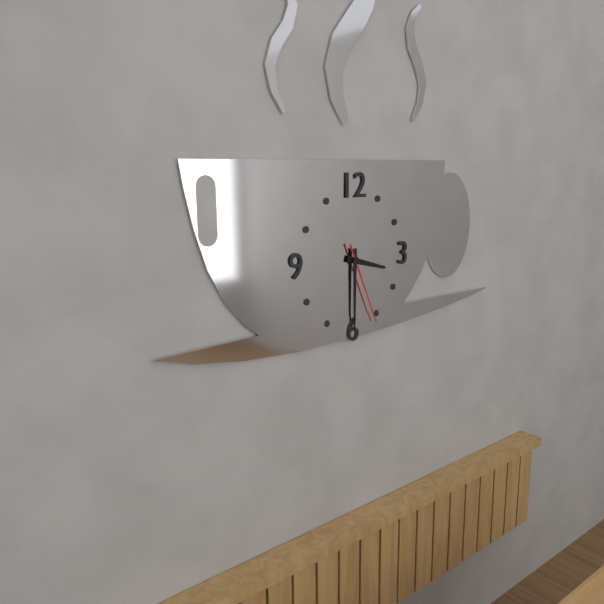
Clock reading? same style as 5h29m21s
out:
3h30m26s
